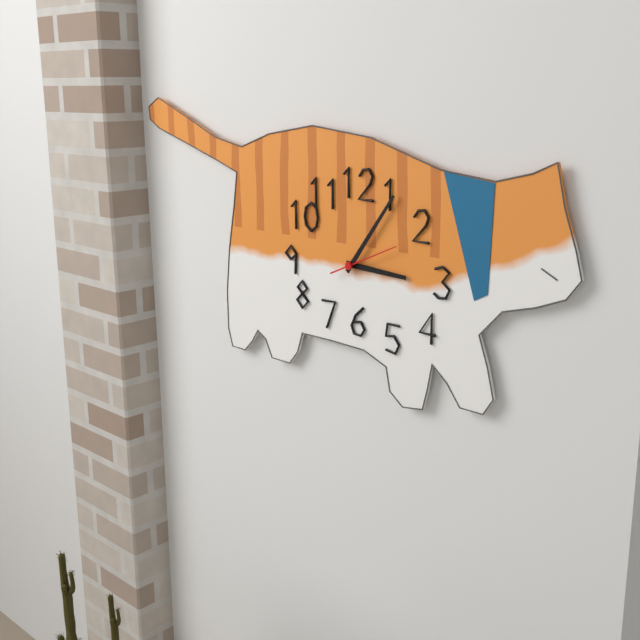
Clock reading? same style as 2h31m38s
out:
3h06m11s
